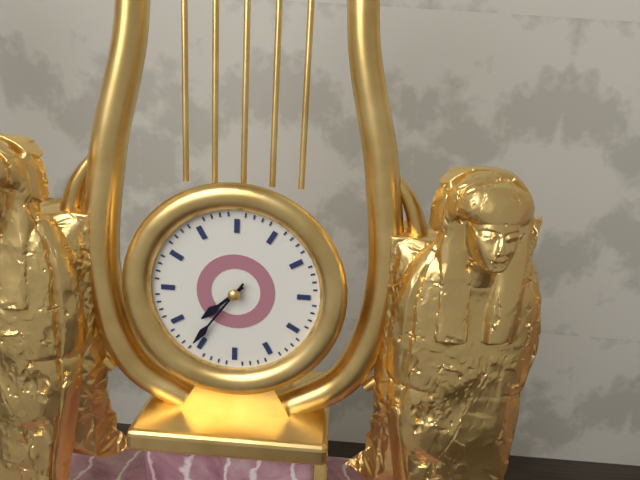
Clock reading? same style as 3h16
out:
7h36
